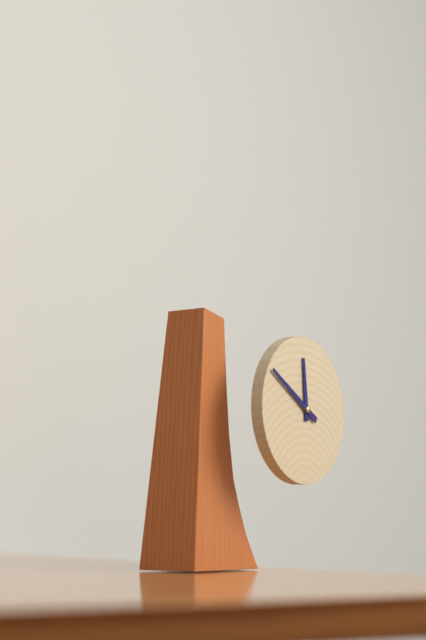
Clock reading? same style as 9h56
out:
11h50
